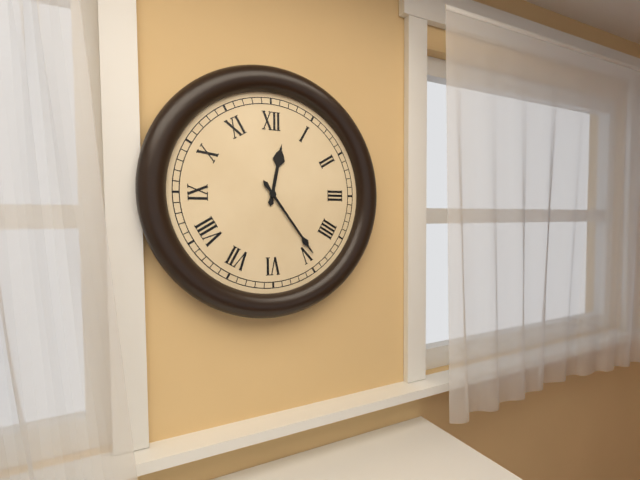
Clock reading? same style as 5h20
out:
12h24
